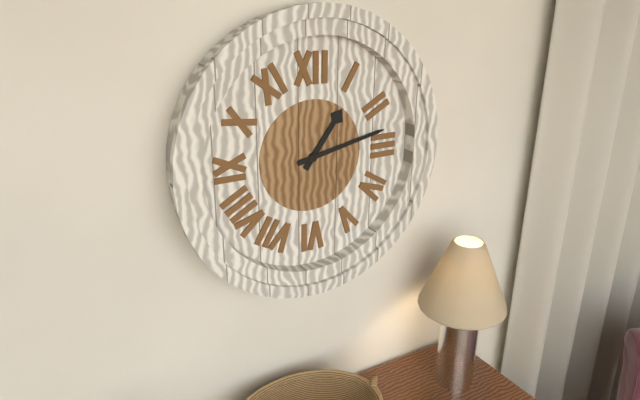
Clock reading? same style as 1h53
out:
1h13
